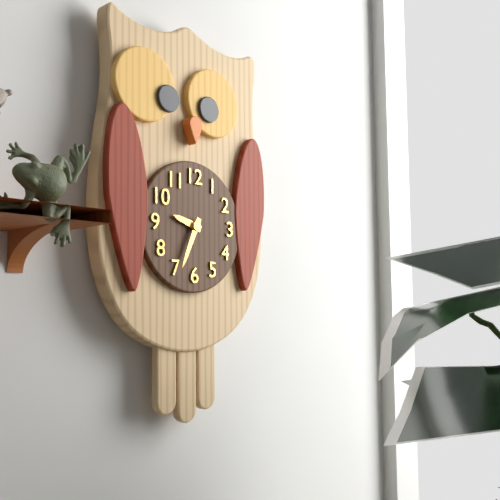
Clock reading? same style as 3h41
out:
9h34
